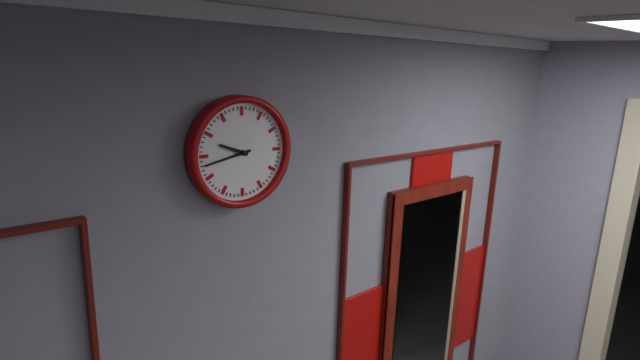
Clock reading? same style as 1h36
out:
9h43
